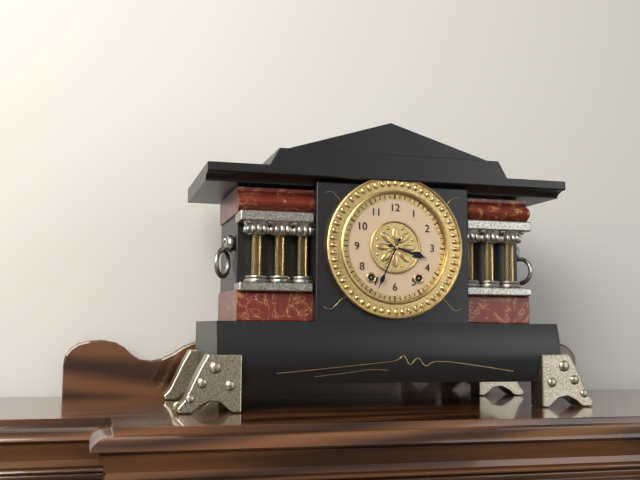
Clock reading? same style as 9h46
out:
3h34
